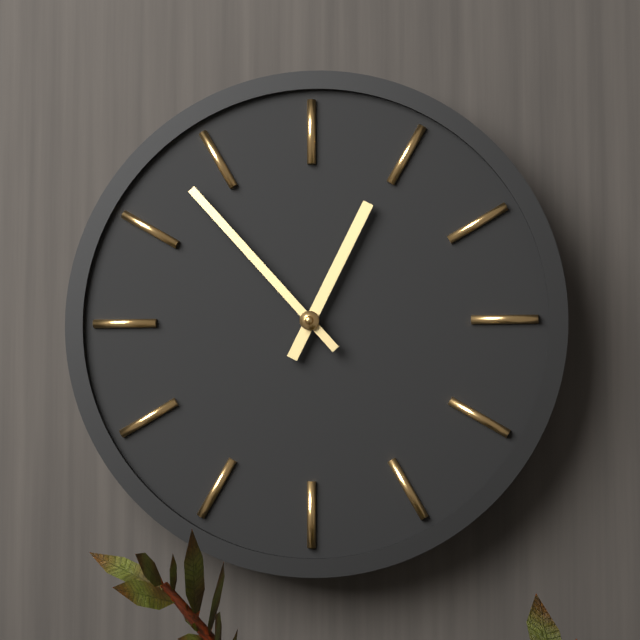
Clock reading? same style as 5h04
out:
12h53
